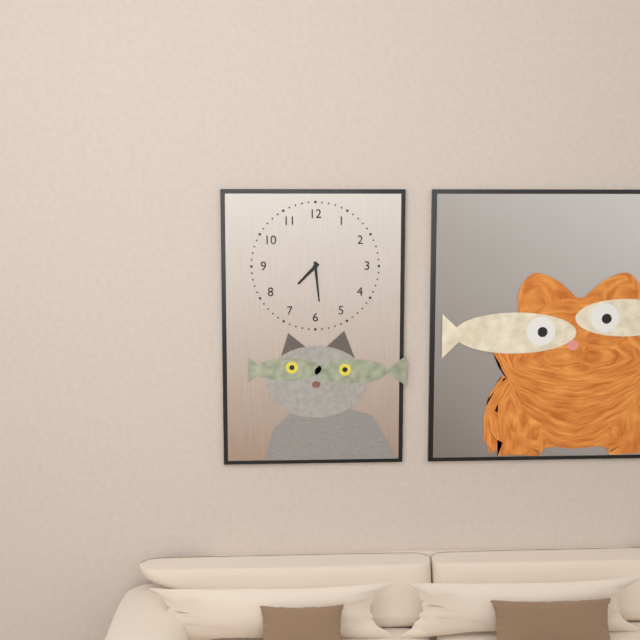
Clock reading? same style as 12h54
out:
7h29
